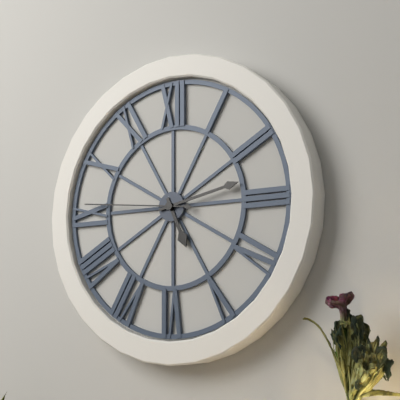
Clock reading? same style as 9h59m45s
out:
5h13m46s
